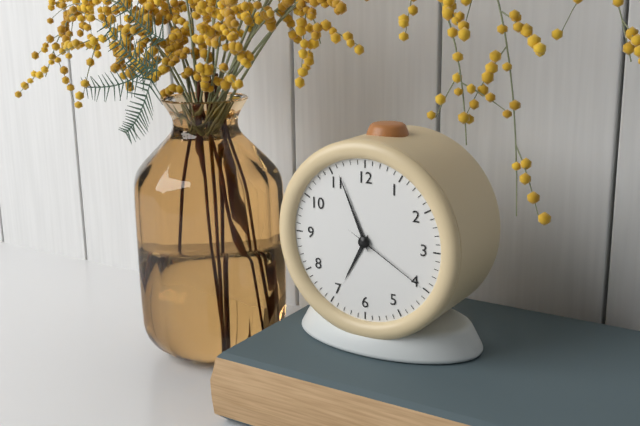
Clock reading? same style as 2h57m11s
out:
6h56m20s
